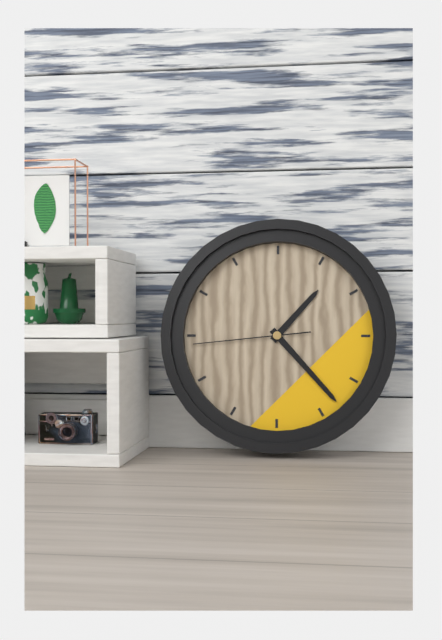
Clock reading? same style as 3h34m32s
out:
1h23m44s
